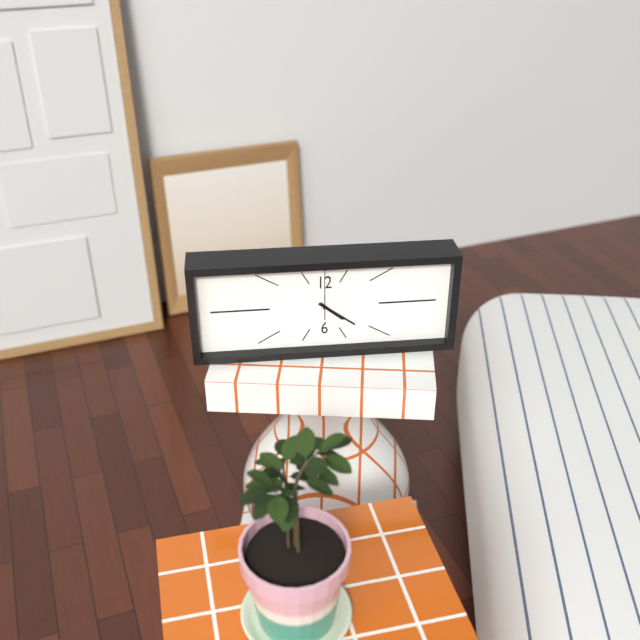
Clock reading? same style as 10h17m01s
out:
4h21m00s
